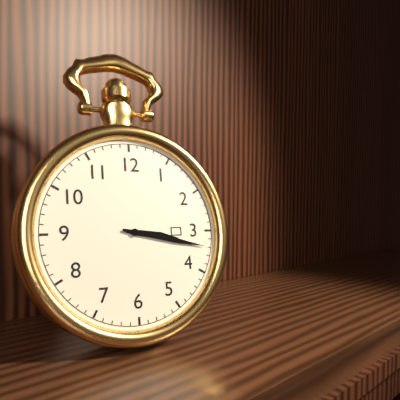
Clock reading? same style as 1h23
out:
3h17
